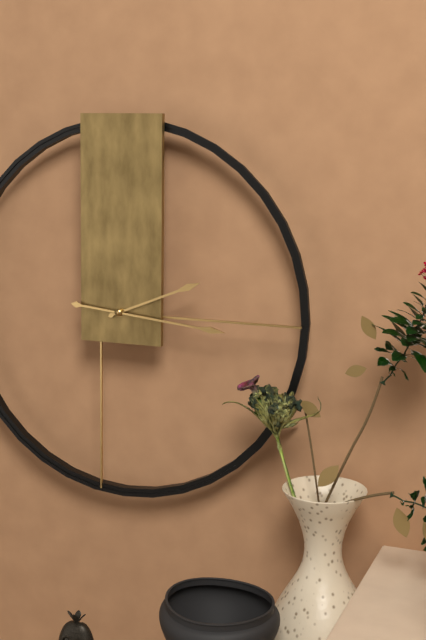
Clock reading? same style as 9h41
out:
2h16
